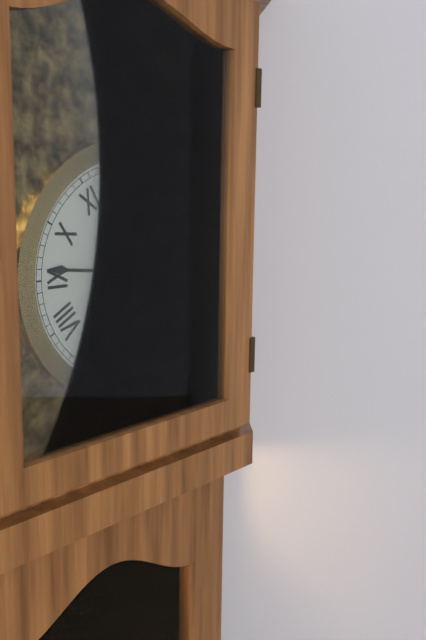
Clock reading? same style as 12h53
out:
6h46
